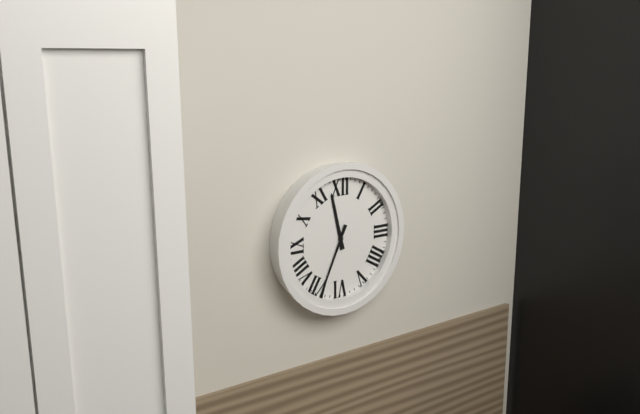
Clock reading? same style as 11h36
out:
11h34
